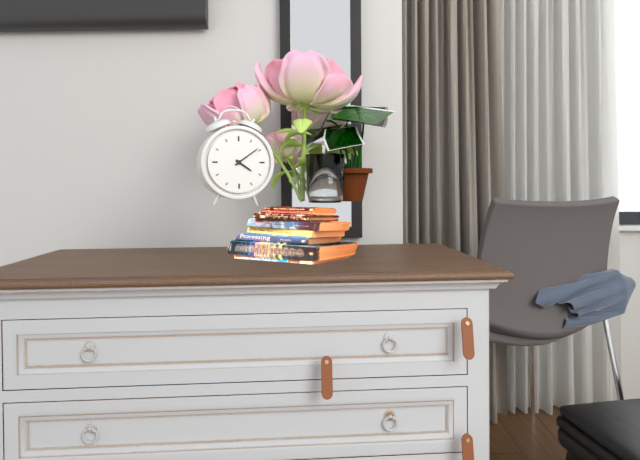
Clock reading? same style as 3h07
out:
4h09
